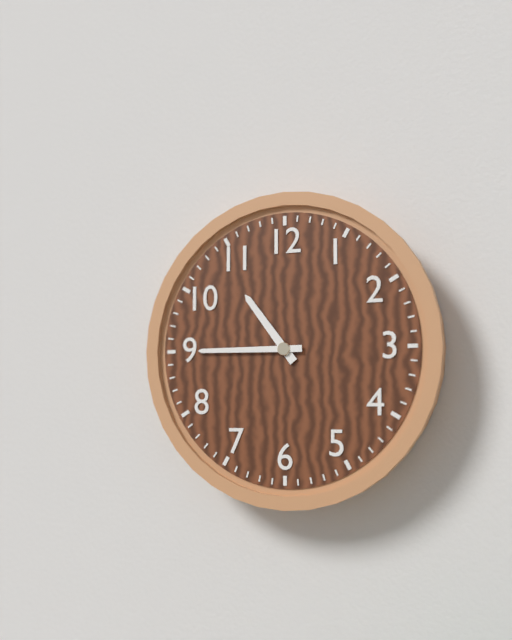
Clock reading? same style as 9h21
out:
10h45
